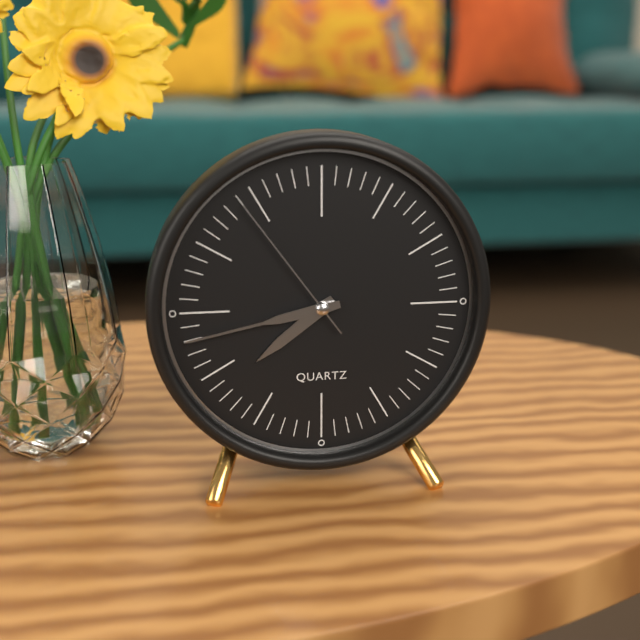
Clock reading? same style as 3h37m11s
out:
7h43m54s
